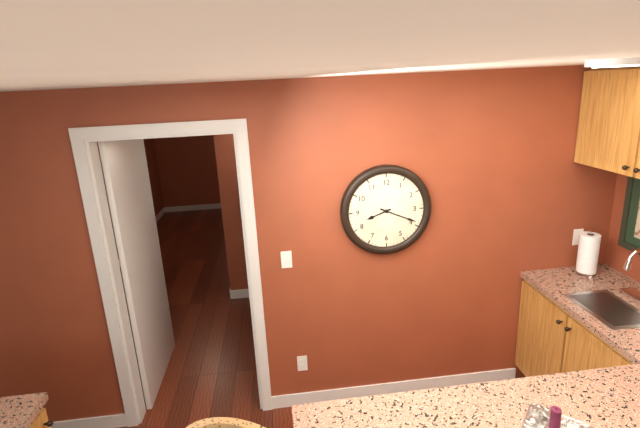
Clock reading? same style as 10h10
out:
8h19
